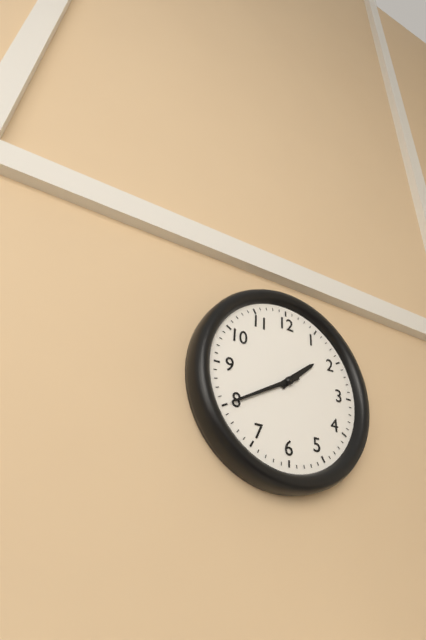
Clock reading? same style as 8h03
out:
1h40
